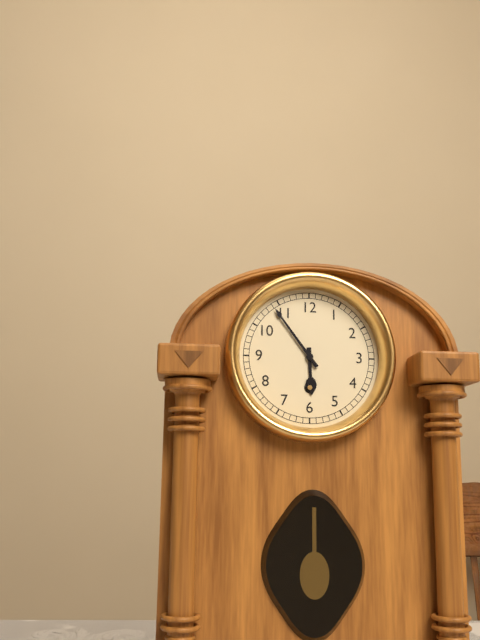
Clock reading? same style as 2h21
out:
5h54
